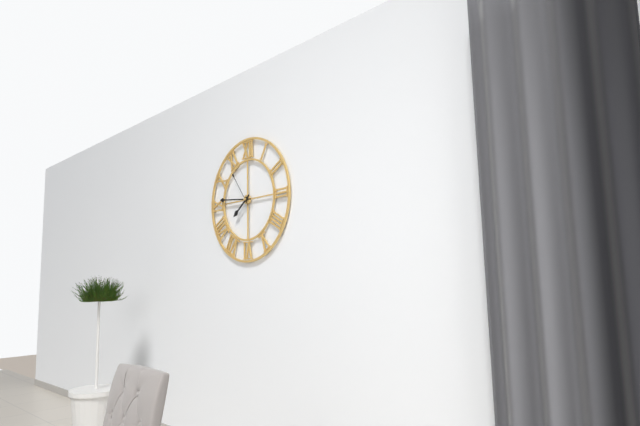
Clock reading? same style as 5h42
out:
7h46
